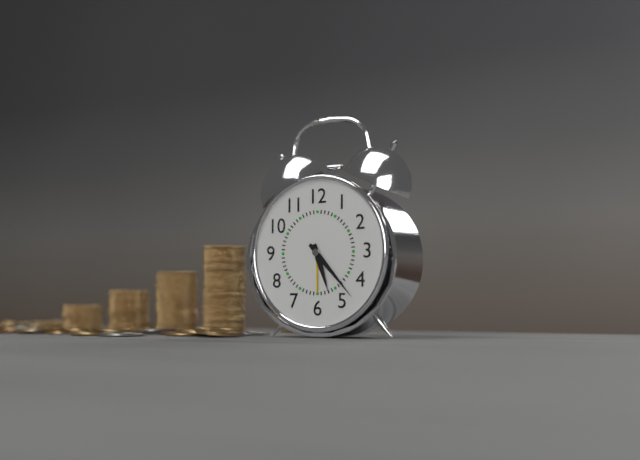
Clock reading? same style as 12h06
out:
5h23
